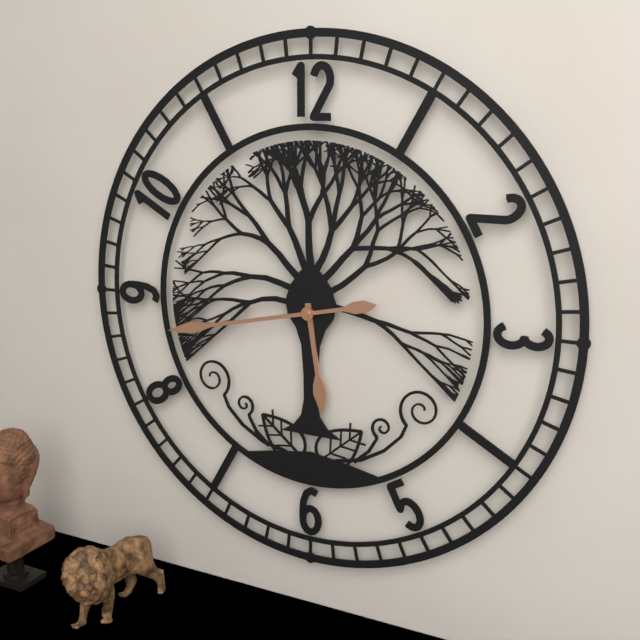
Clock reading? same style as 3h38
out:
5h43
